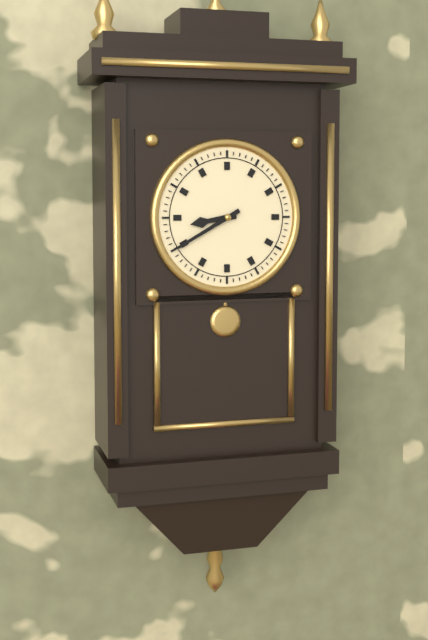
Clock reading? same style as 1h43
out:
8h40
